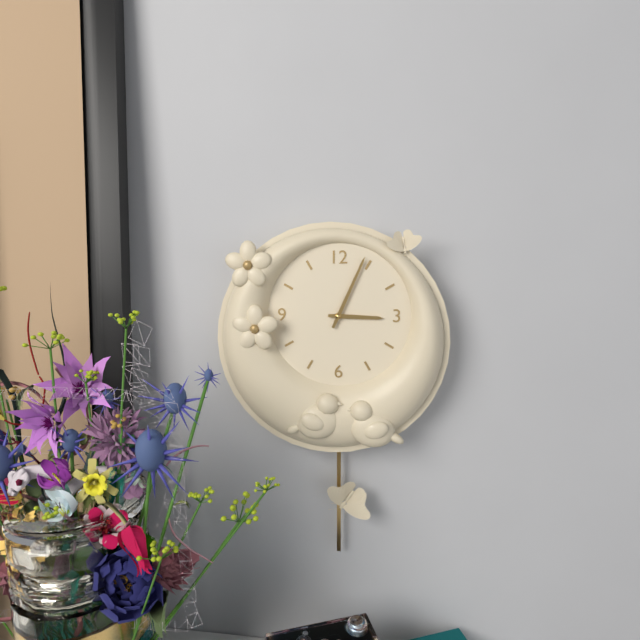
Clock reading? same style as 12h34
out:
3h04
